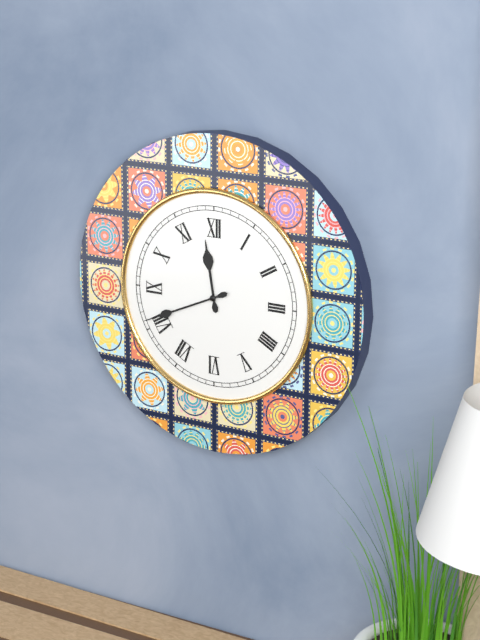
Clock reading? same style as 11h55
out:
11h41
